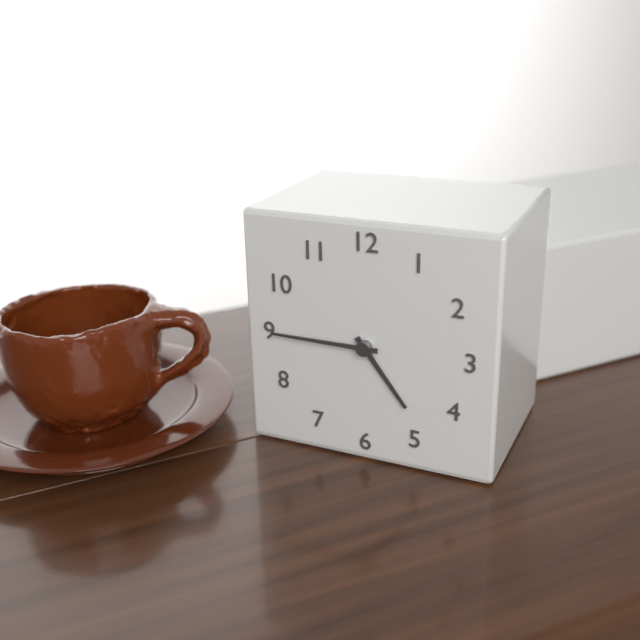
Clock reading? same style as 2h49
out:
4h45
